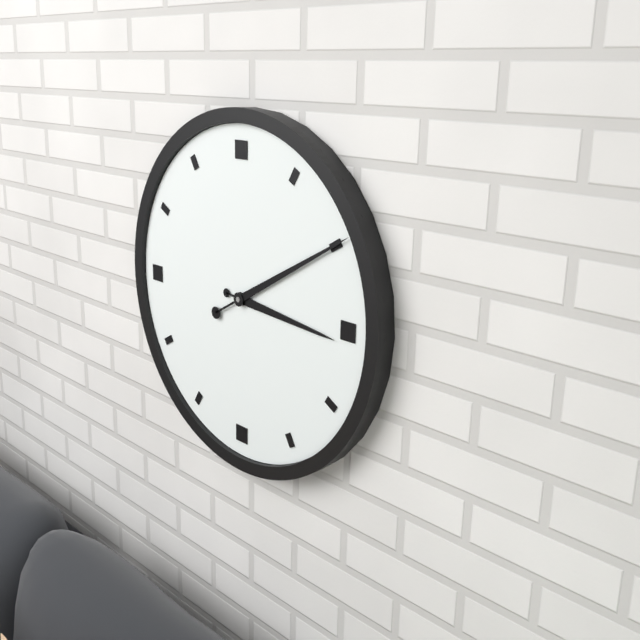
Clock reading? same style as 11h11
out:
3h10
